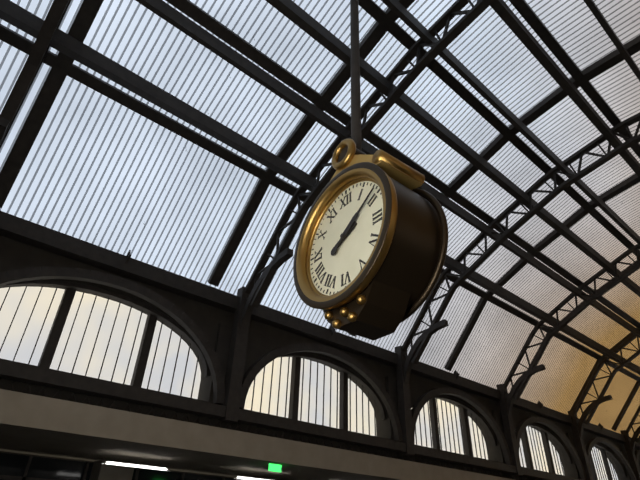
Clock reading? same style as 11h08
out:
8h09
